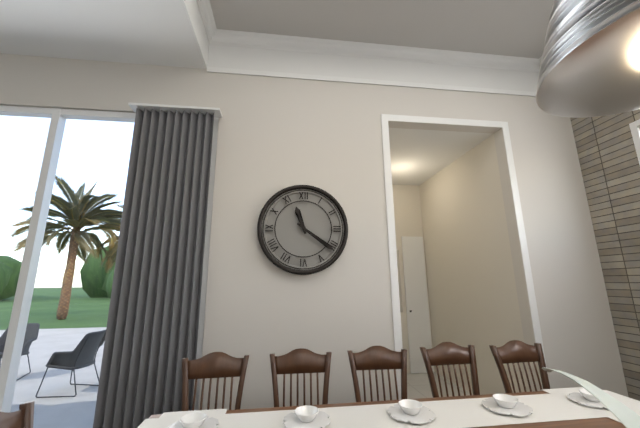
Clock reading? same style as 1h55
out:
11h21
